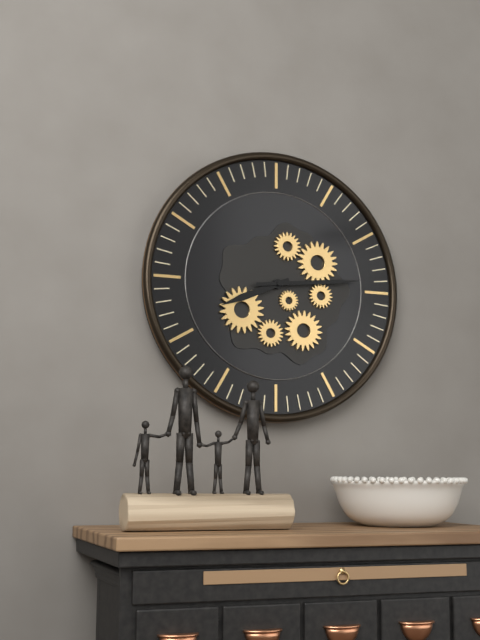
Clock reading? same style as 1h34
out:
8h14
